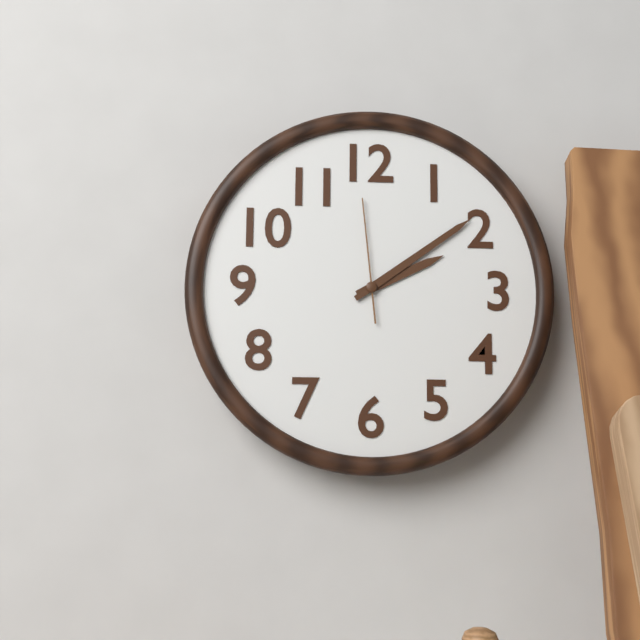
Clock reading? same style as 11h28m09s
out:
2h09m59s
